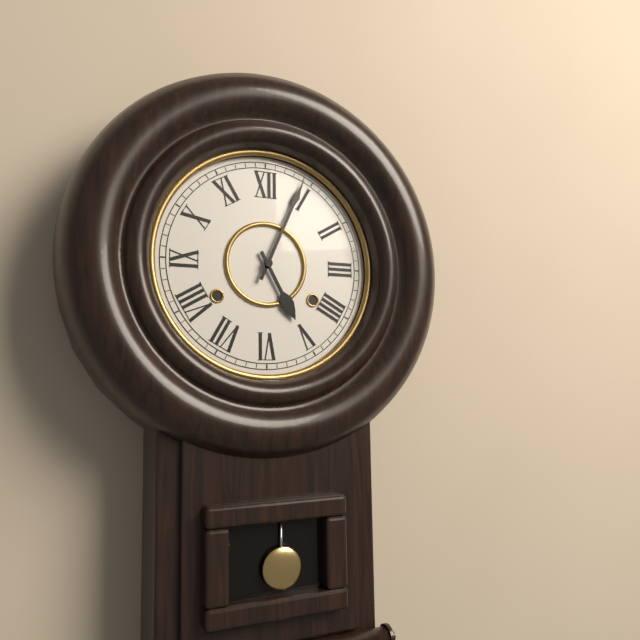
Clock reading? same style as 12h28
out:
5h04
